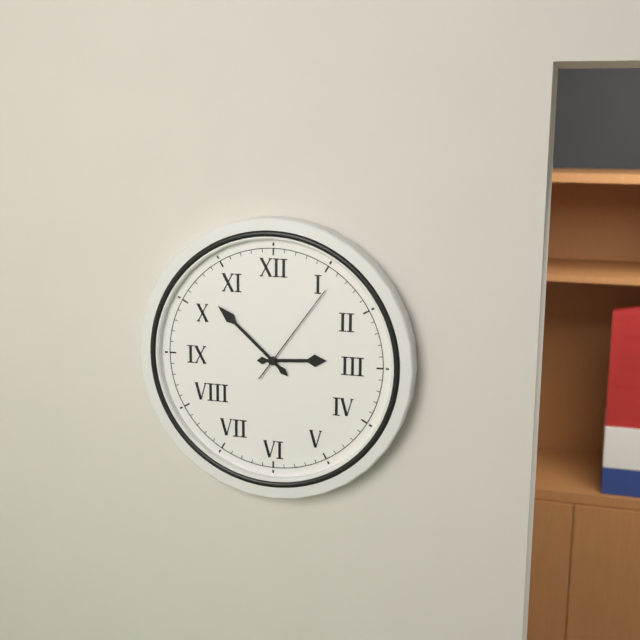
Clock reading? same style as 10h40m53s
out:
2h52m06s
